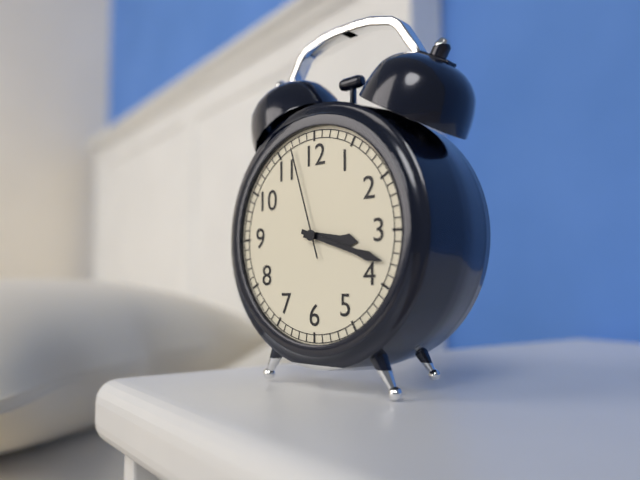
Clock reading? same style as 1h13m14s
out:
3h18m57s
